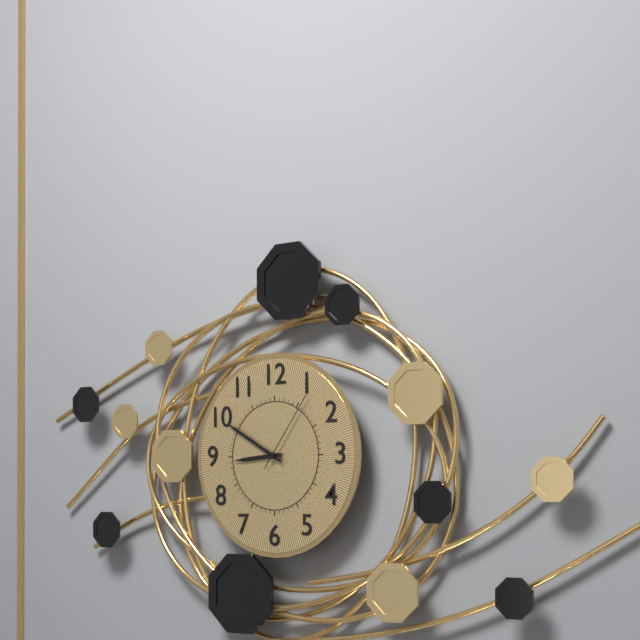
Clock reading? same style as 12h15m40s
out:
8h50m06s
